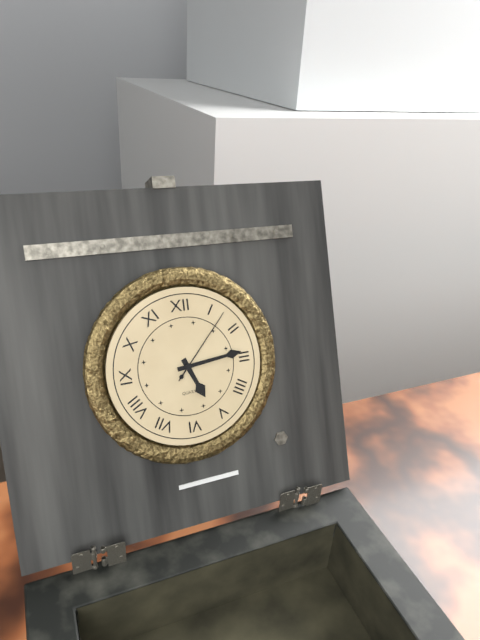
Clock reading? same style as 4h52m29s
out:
5h14m07s
